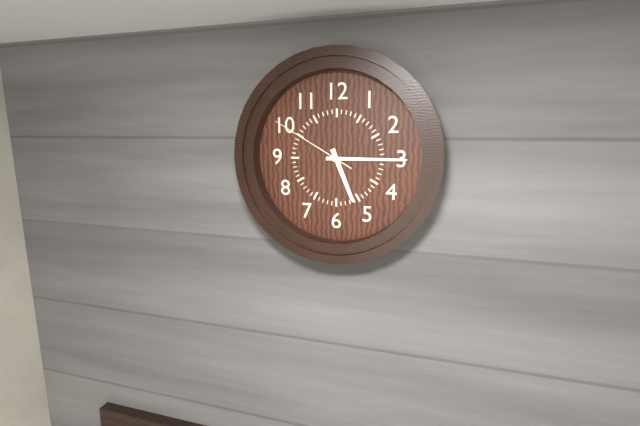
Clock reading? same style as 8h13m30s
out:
5h15m50s
